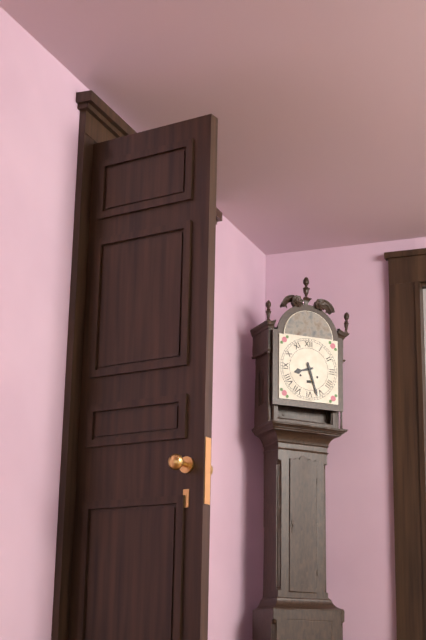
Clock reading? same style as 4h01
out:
8h27
